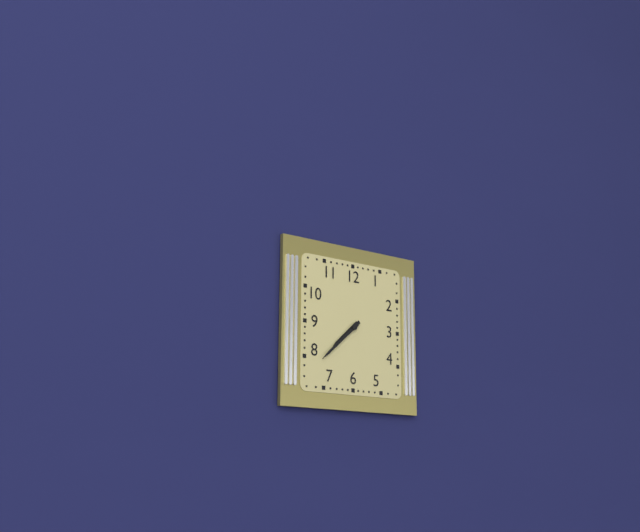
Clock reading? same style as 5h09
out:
7h38
